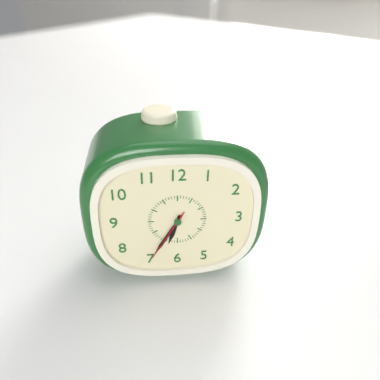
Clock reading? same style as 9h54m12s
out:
6h35m35s
